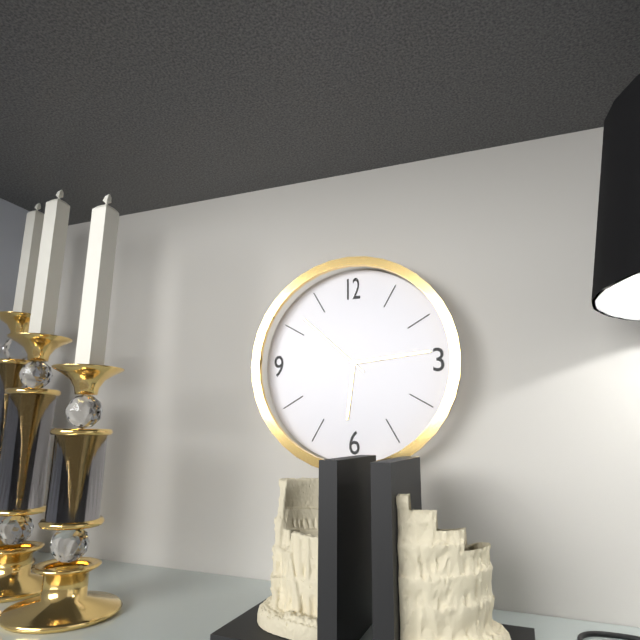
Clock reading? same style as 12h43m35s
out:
6h14m52s
